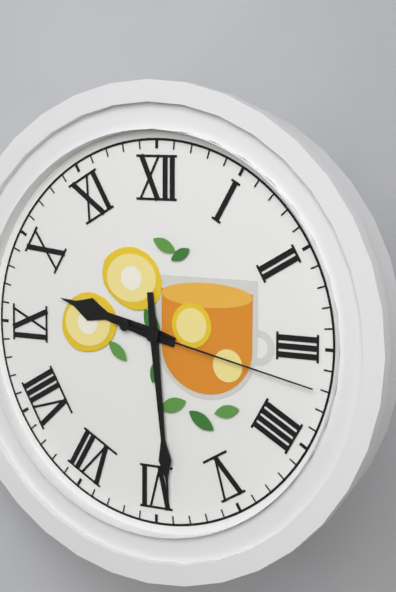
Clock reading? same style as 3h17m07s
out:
9h29m17s
